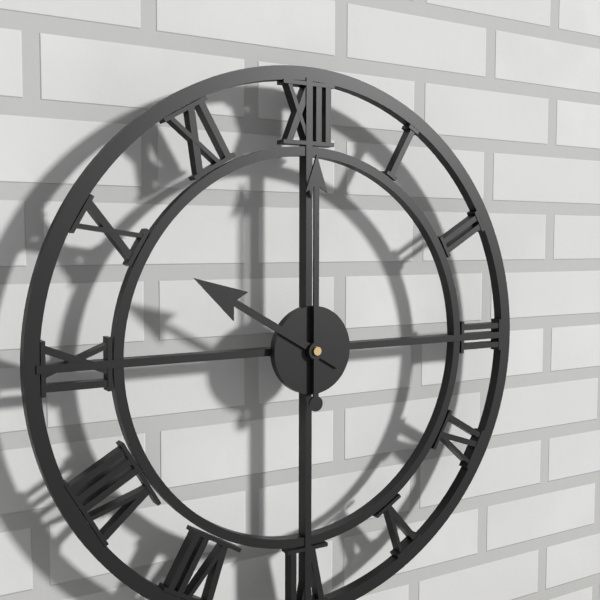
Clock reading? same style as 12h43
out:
10h00
